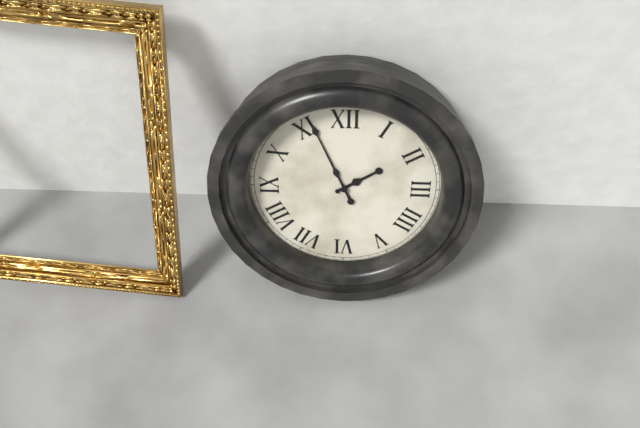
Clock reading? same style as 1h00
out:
1h56
